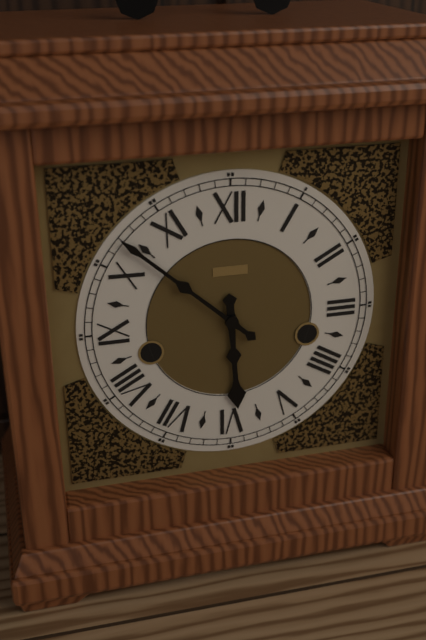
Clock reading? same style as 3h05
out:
5h52
